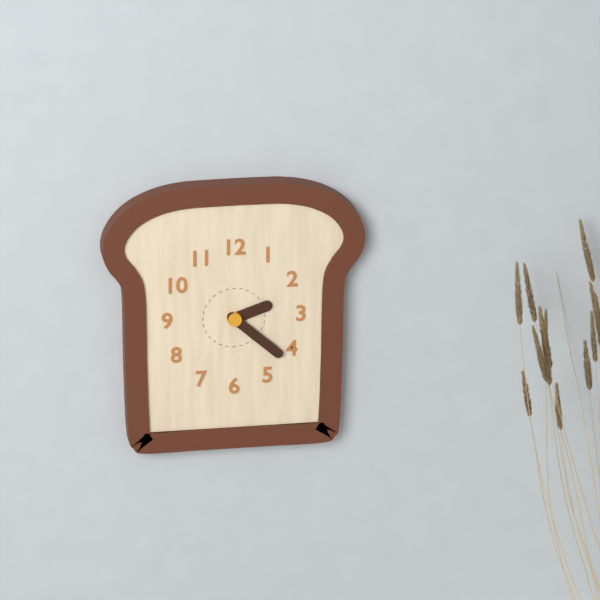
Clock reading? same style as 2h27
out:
2h22
